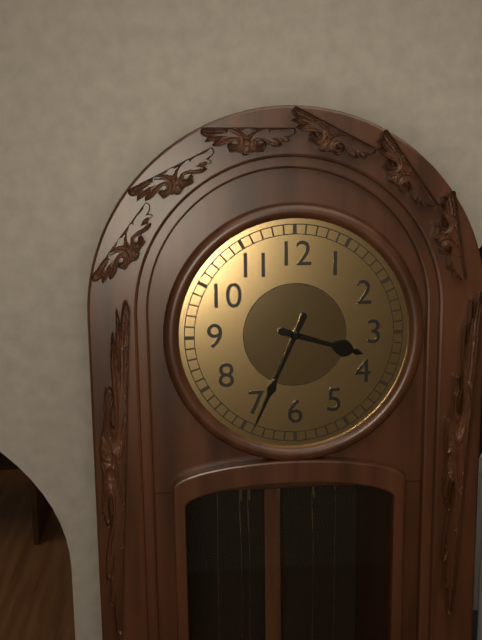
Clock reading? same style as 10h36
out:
3h34
